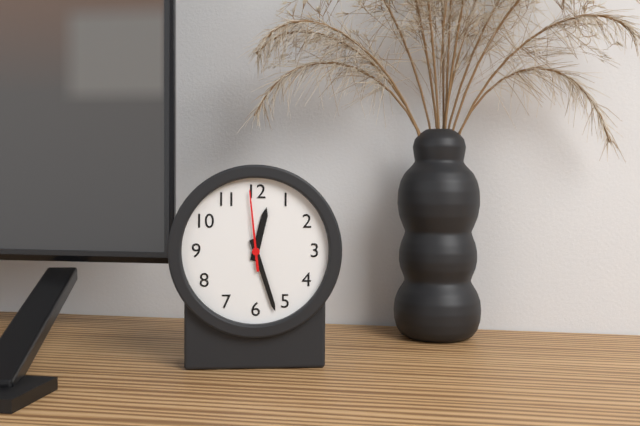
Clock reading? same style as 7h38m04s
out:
12h27m59s
